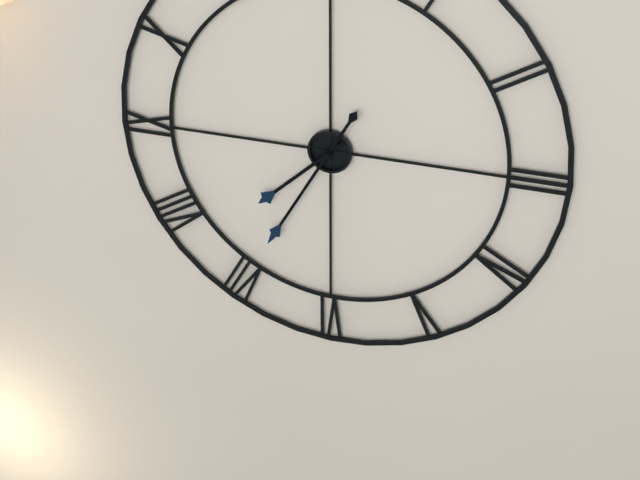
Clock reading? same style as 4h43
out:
7h35
